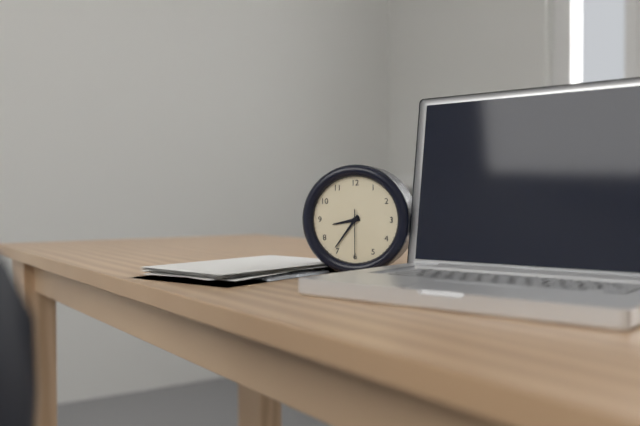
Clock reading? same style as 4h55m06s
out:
8h36m30s
